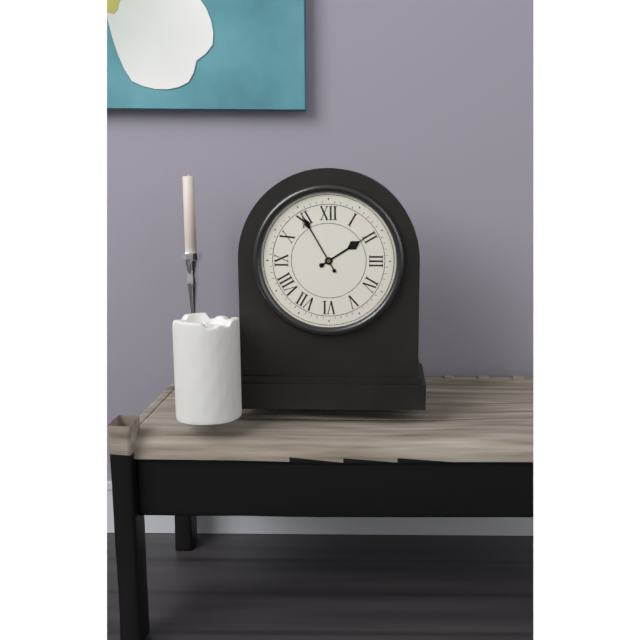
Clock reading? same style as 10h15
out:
1h55
